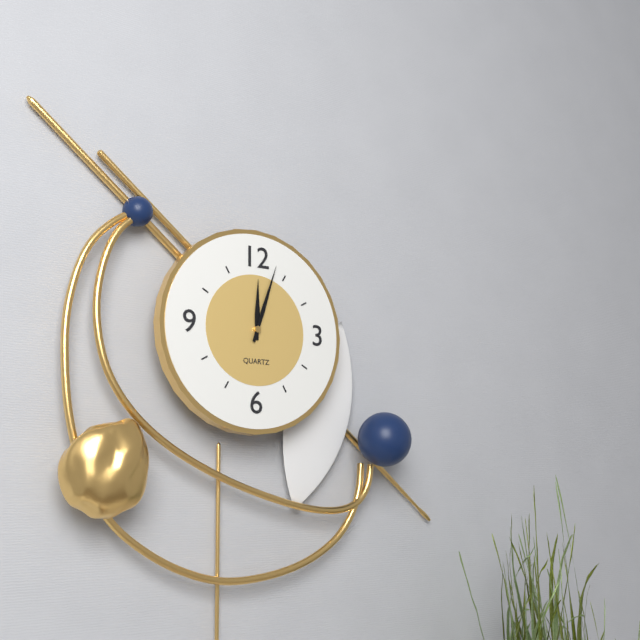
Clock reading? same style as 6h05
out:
12h03
